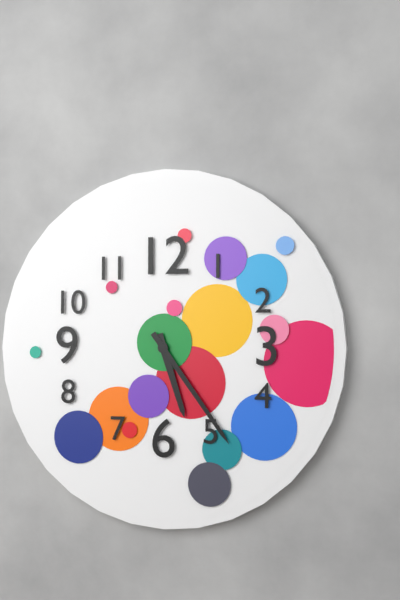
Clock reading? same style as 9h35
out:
5h24
